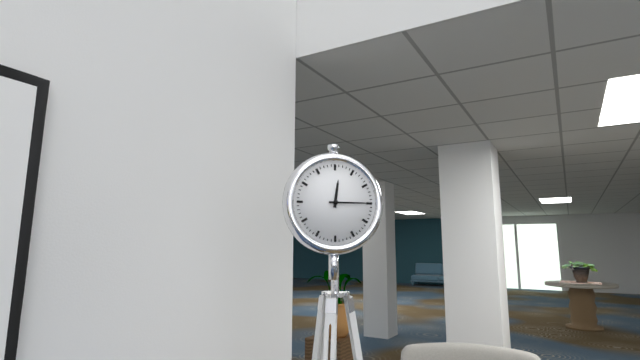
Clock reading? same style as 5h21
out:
12h15
